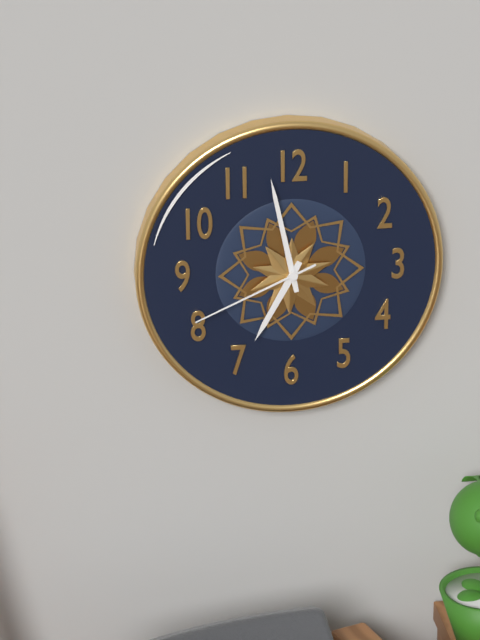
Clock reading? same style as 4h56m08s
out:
6h58m41s
